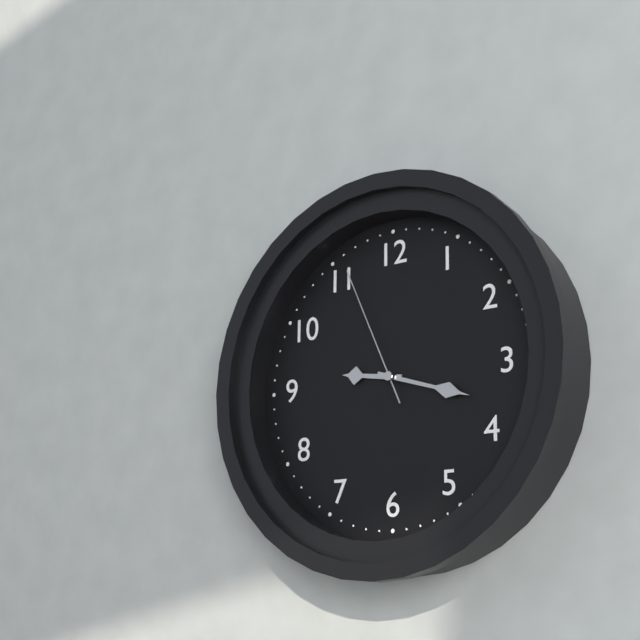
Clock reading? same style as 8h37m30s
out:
9h18m56s
